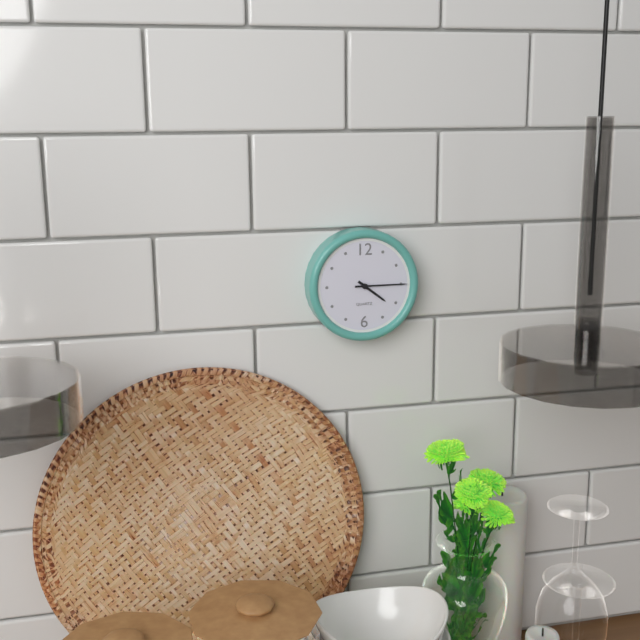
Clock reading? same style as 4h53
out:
4h15
